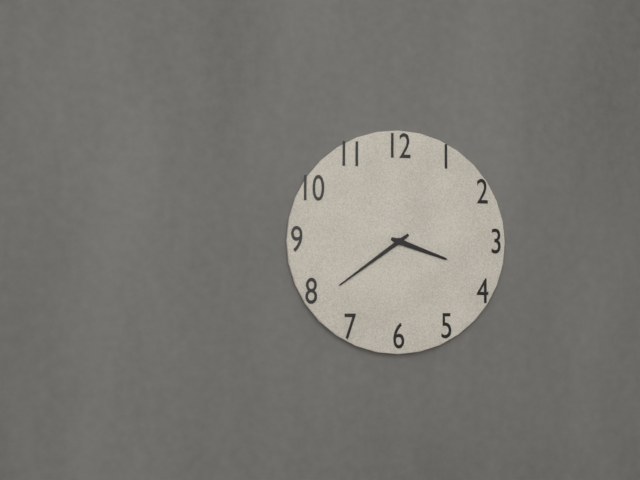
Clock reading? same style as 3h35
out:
3h39
